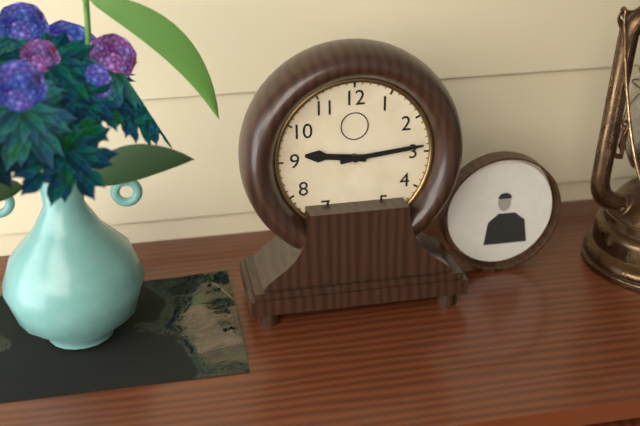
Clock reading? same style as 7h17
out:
9h14
